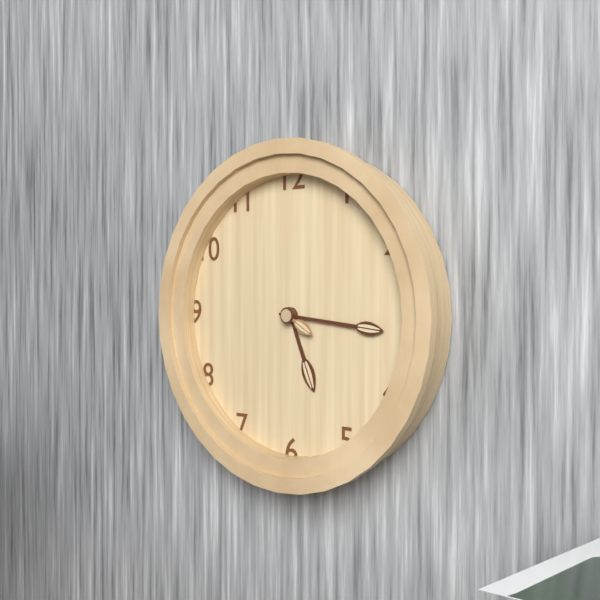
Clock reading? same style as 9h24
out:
5h16
